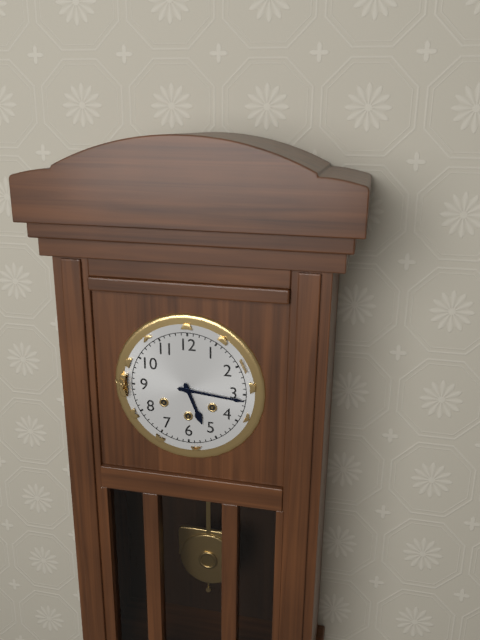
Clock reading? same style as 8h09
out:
5h16
